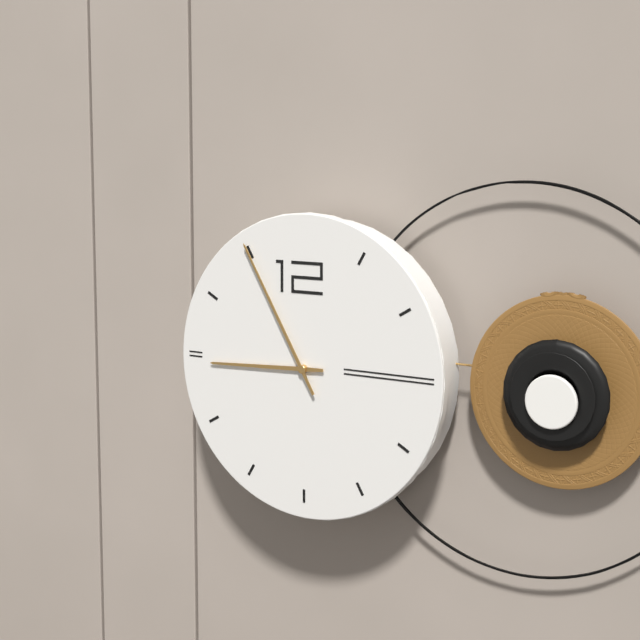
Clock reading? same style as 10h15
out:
8h55
